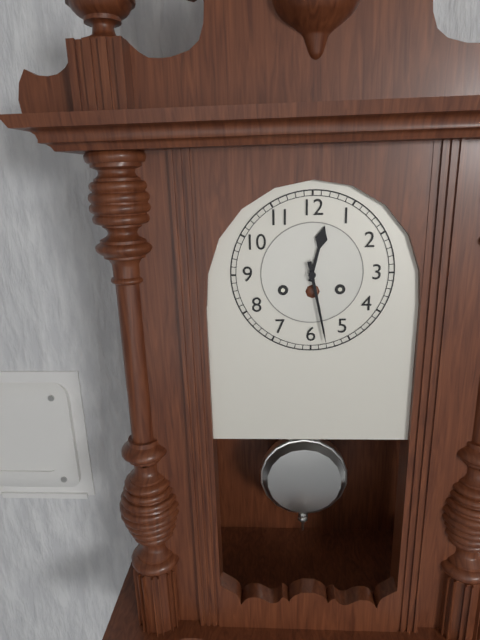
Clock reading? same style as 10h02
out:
12h28
